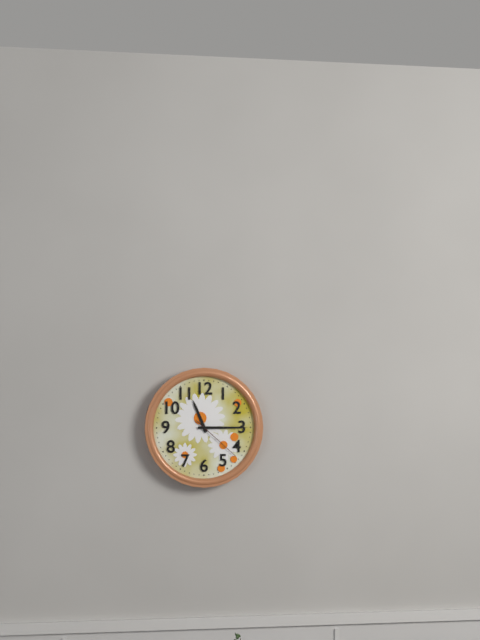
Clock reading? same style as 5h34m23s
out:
11h15m22s
